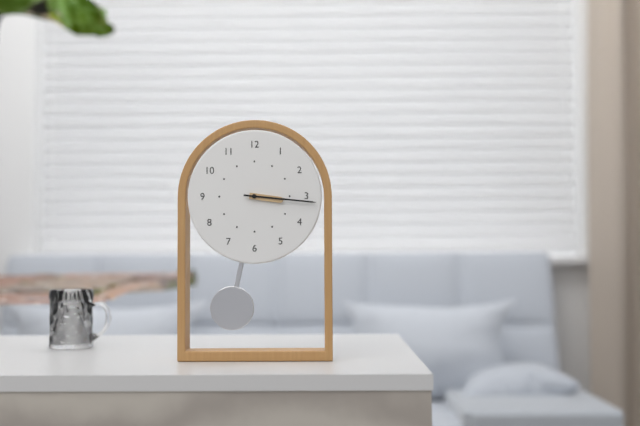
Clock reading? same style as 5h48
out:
3h16
